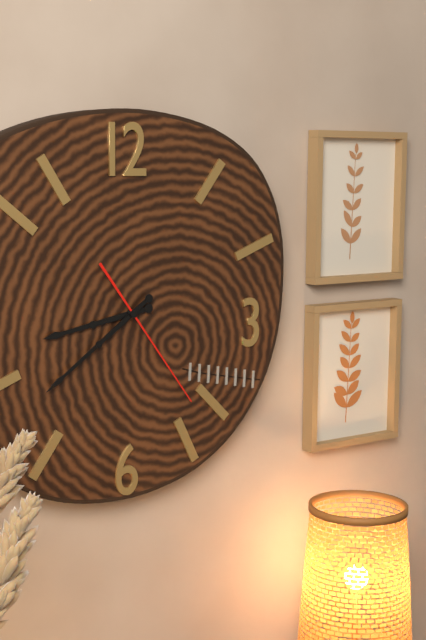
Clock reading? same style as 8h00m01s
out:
8h39m24s
